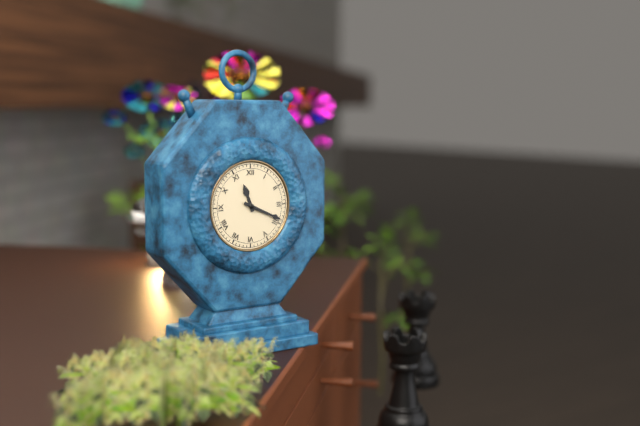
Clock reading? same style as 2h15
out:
11h19
